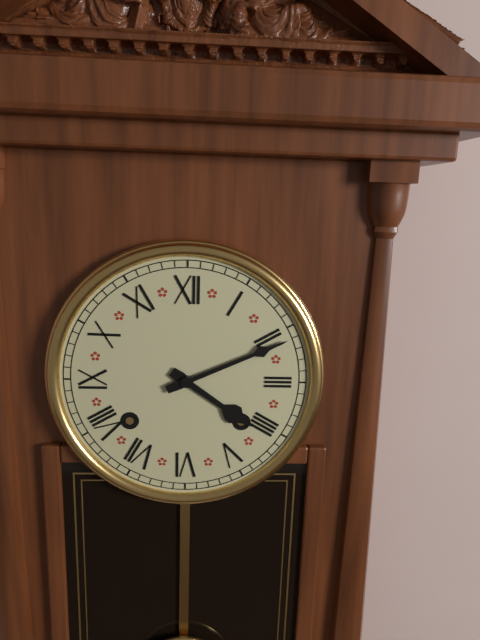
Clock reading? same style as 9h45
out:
4h11
